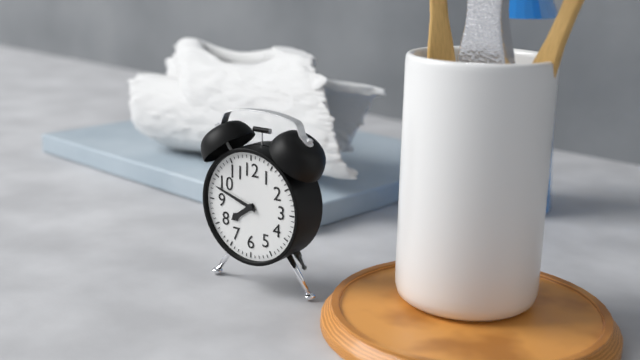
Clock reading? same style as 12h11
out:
7h48
